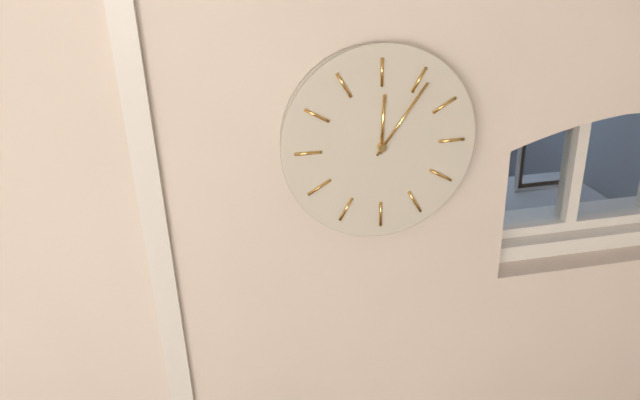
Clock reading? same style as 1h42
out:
12h06
